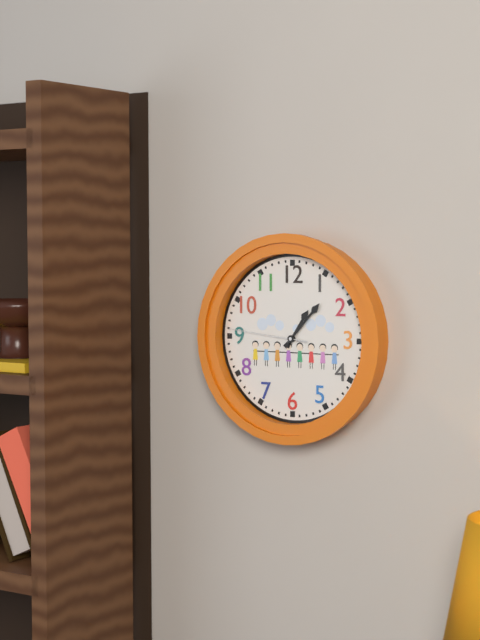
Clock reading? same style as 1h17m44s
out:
1h07m46s
